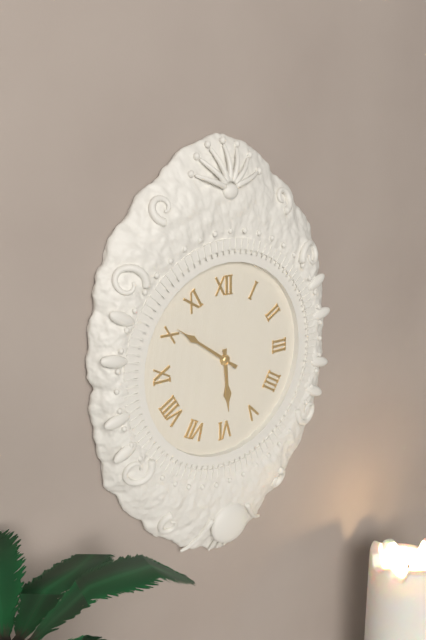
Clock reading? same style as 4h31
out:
5h51
